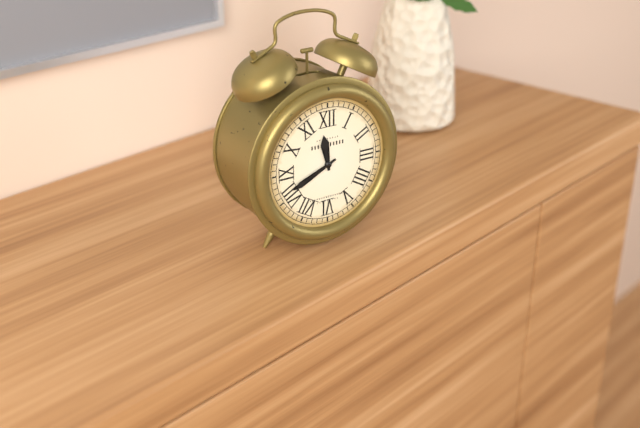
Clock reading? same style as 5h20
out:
11h41
